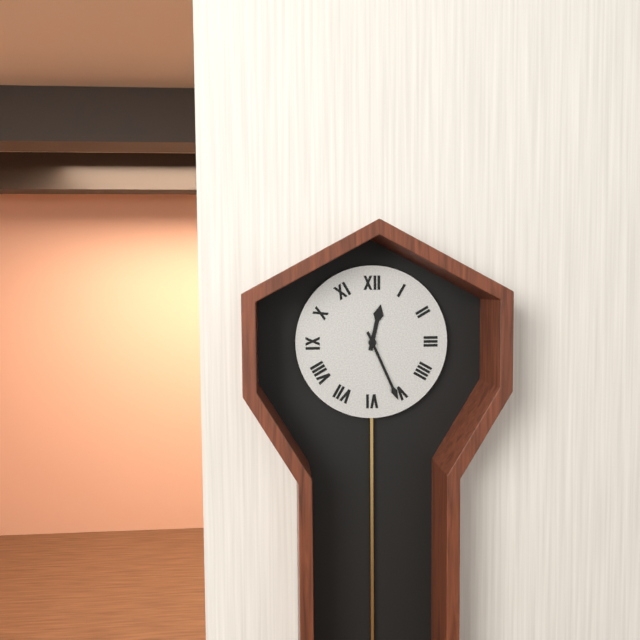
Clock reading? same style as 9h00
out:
12h26
